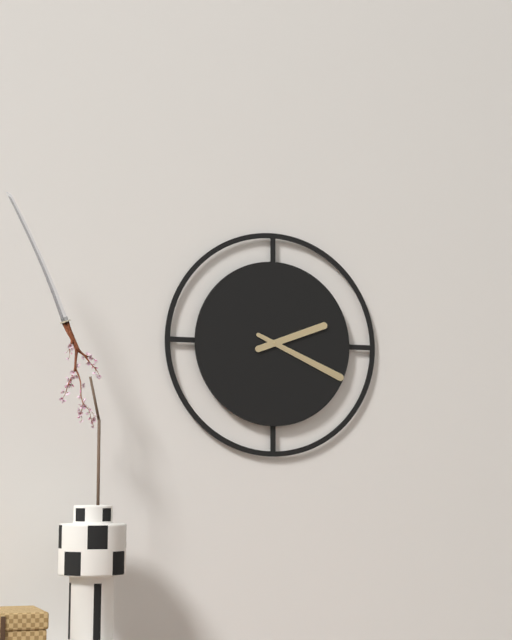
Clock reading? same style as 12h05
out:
2h19
